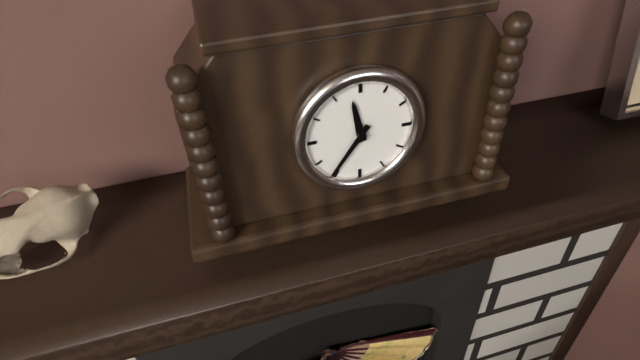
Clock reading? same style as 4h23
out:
11h36
